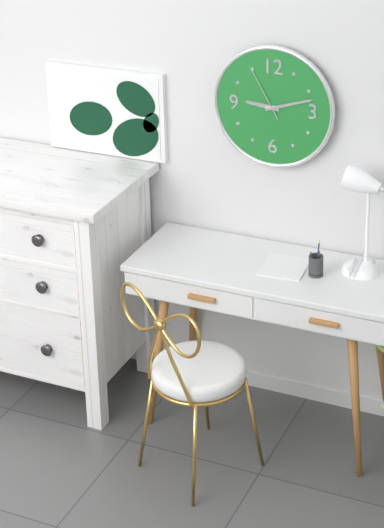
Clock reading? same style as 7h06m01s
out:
9h12m55s
